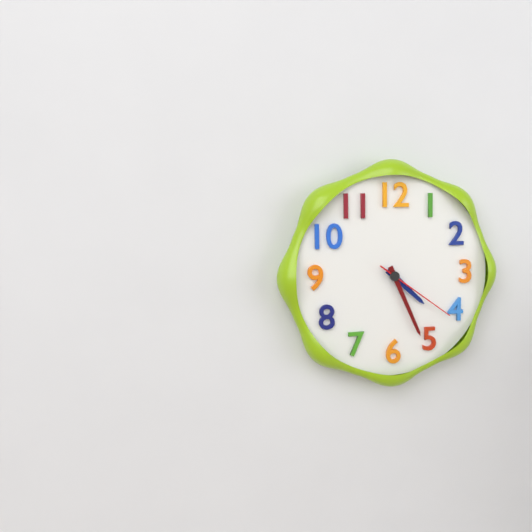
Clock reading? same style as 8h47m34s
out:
4h26m21s
